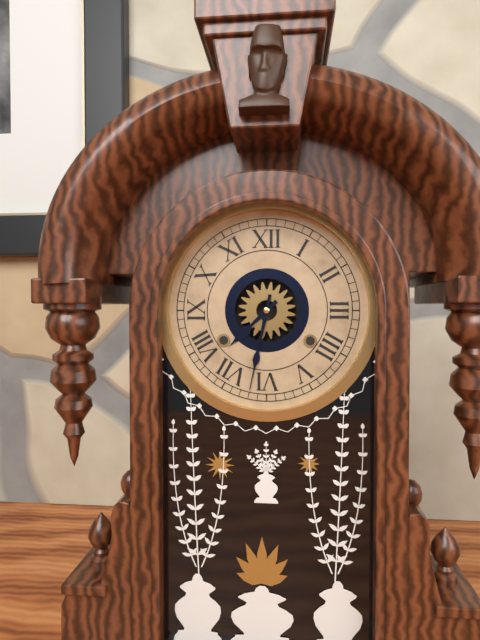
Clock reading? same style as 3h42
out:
7h32
